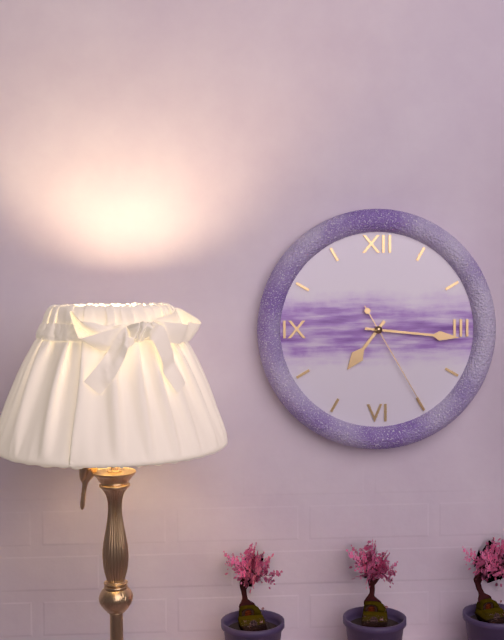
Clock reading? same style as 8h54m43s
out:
7h16m25s
